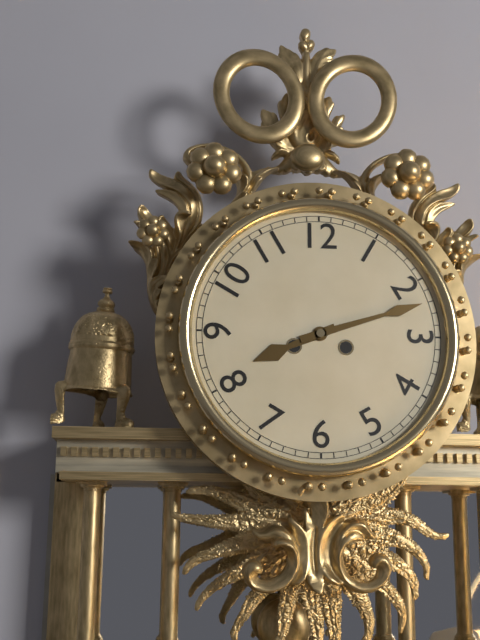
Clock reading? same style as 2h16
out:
8h12
